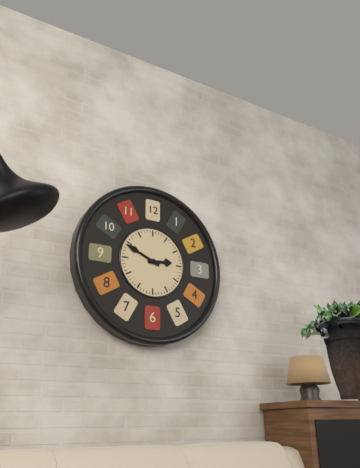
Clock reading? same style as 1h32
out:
2h49
